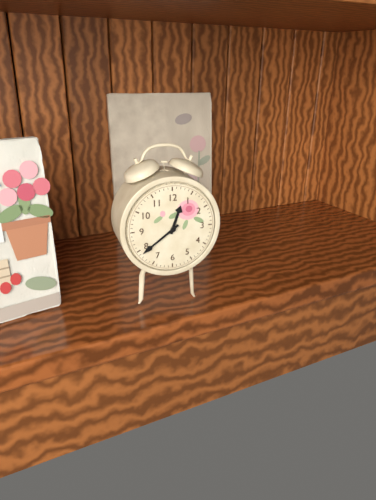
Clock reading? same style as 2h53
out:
12h39
